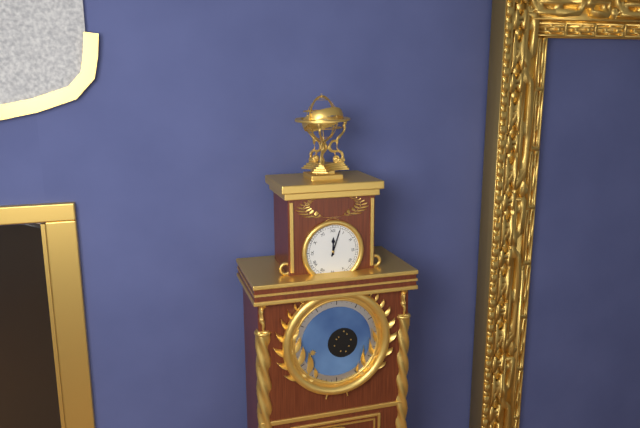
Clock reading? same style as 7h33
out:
12h03
